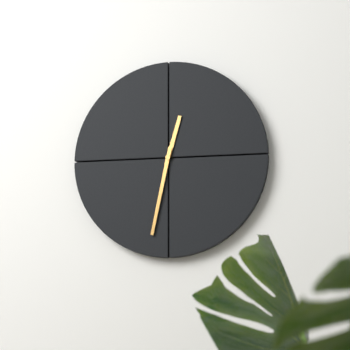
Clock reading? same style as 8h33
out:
12h32
